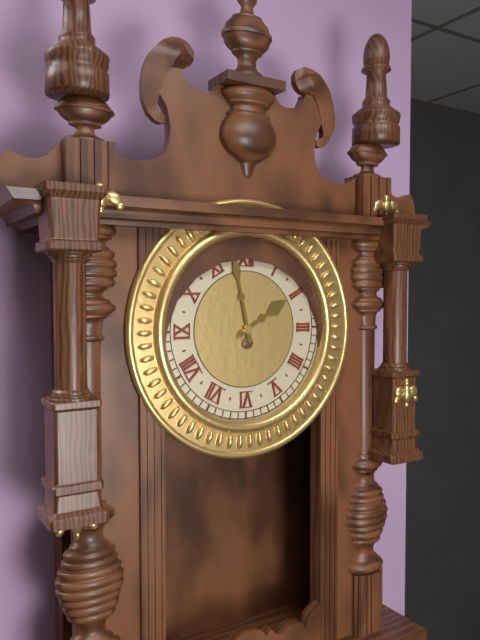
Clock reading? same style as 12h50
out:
1h58
